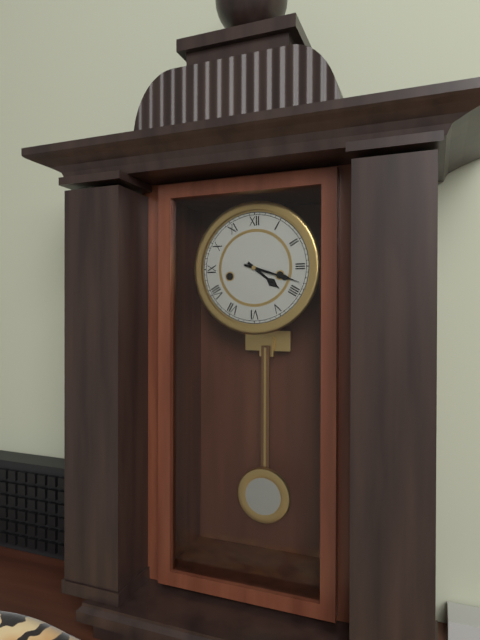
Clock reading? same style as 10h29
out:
4h18
